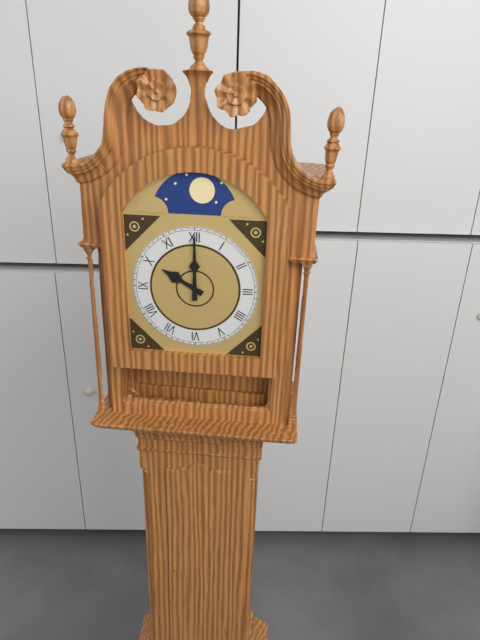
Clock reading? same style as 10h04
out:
10h00
